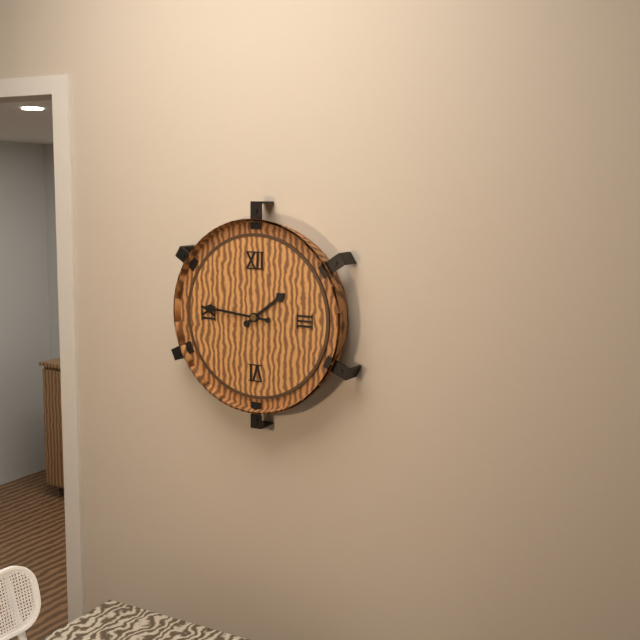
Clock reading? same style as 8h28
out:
1h46
